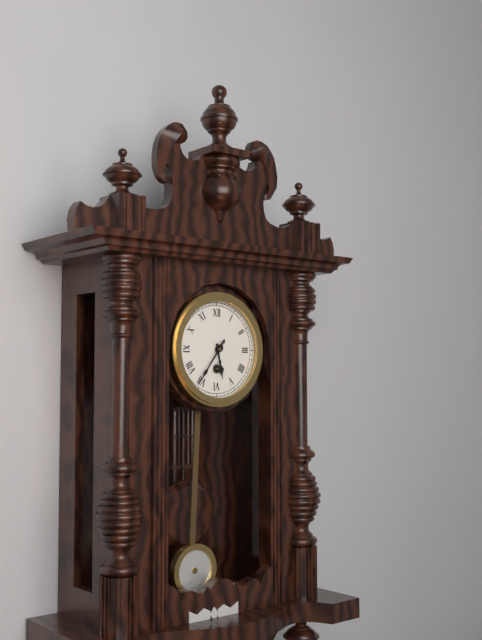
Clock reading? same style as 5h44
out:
5h36
